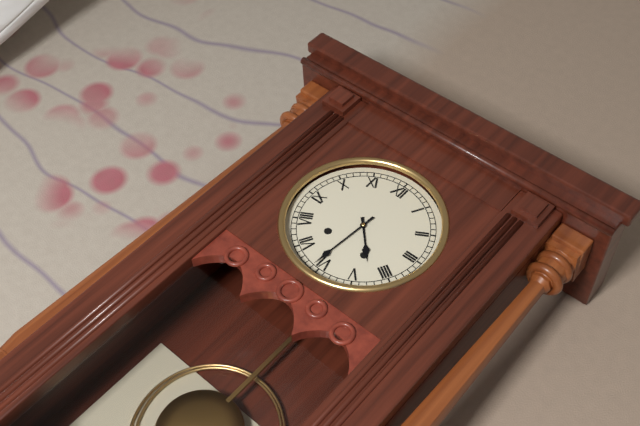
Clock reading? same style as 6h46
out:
4h31
